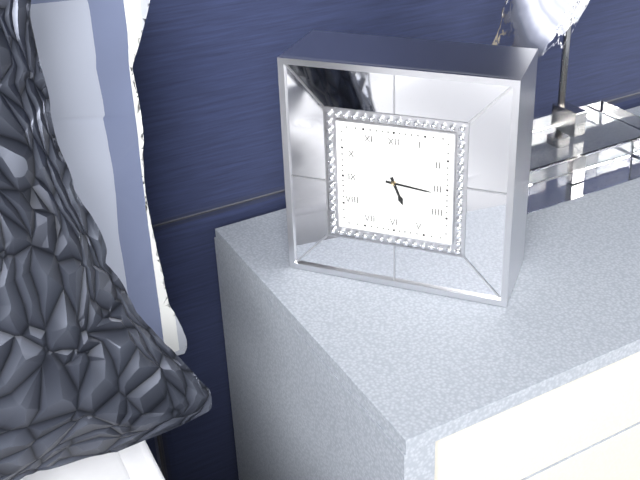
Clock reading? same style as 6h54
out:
5h16
